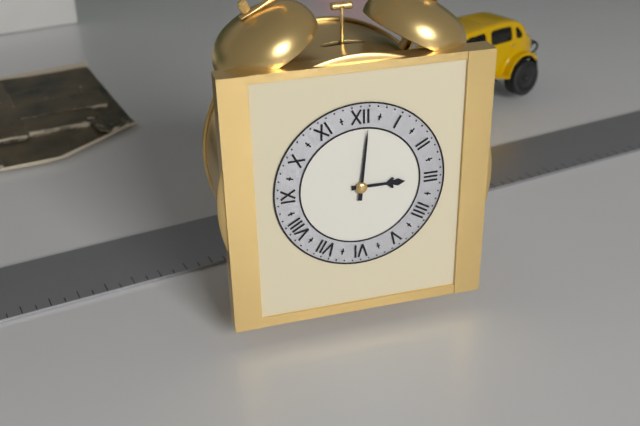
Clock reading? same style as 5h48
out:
3h01
